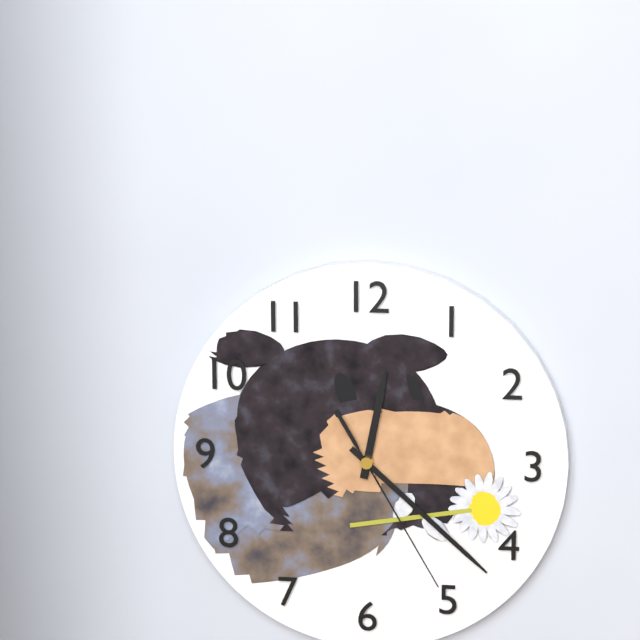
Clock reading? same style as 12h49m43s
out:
12h22m25s
